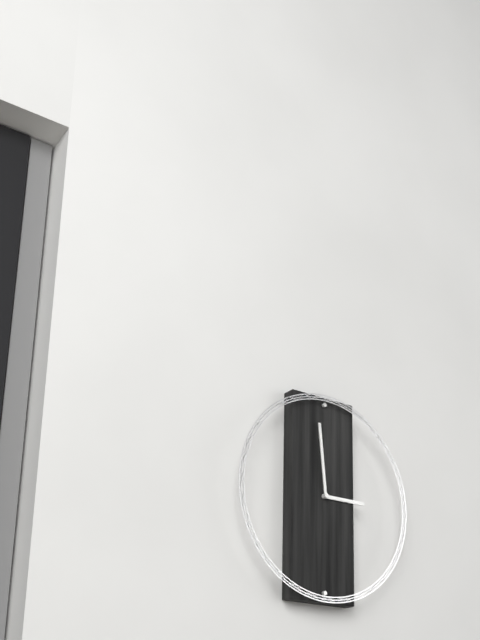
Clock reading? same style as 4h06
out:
2h59
